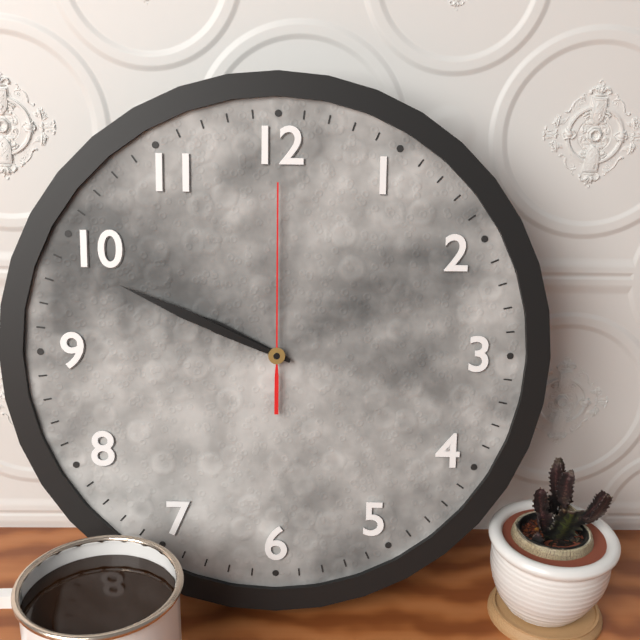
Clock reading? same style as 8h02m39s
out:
9h49m00s
